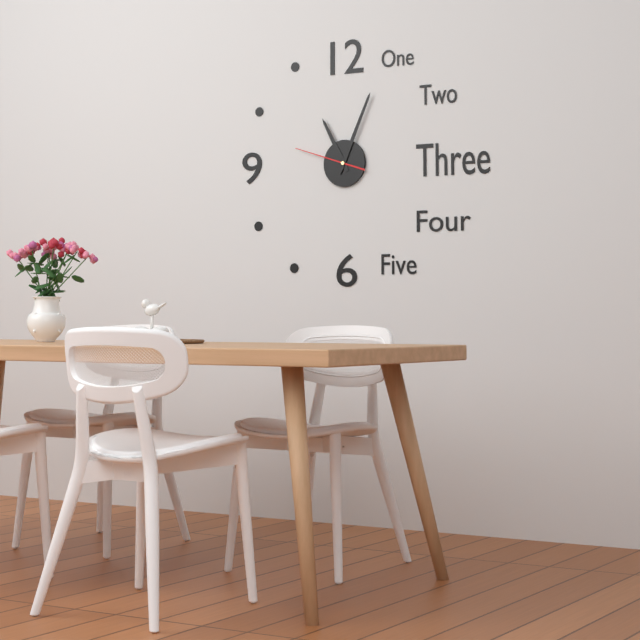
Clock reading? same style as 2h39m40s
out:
11h04m48s
